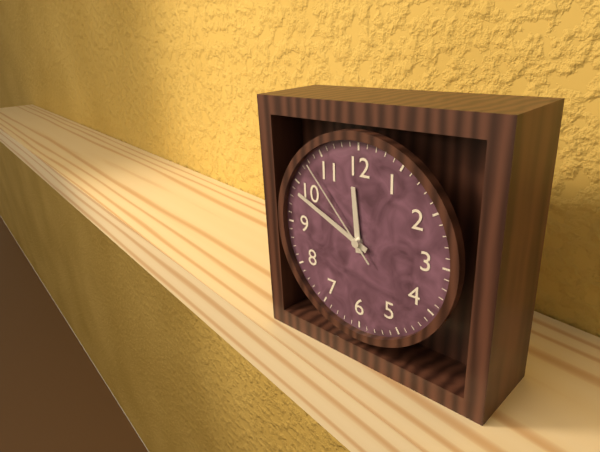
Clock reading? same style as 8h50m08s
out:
11h49m53s
